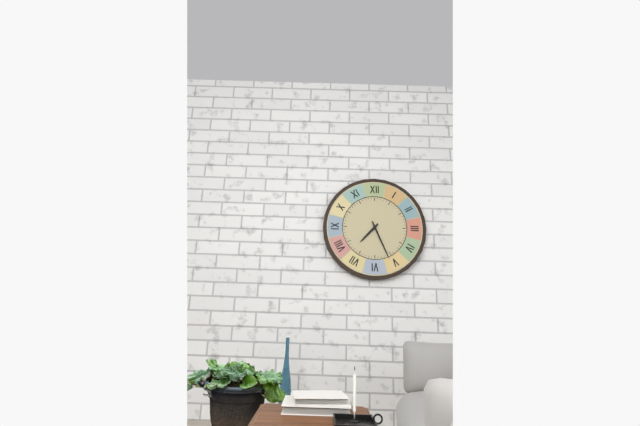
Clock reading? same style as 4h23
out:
7h26
